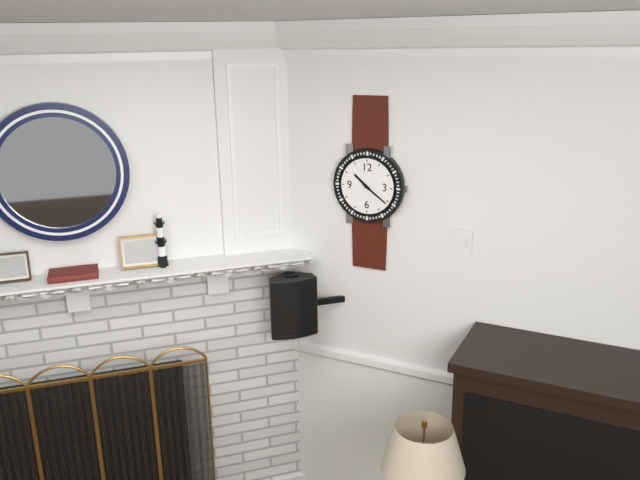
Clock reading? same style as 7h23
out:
10h21
